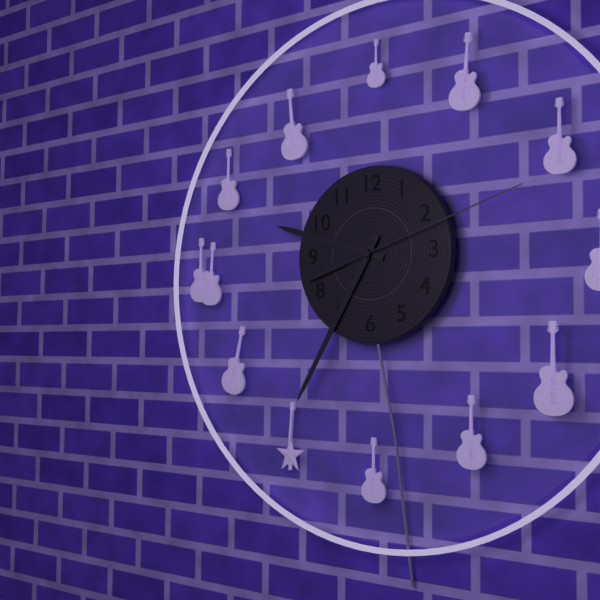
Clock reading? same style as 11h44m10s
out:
9h35m12s
